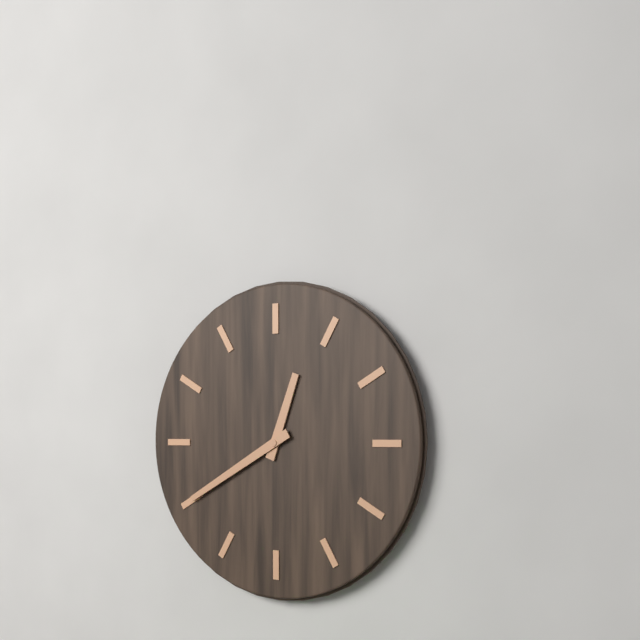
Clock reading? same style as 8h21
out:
12h40
